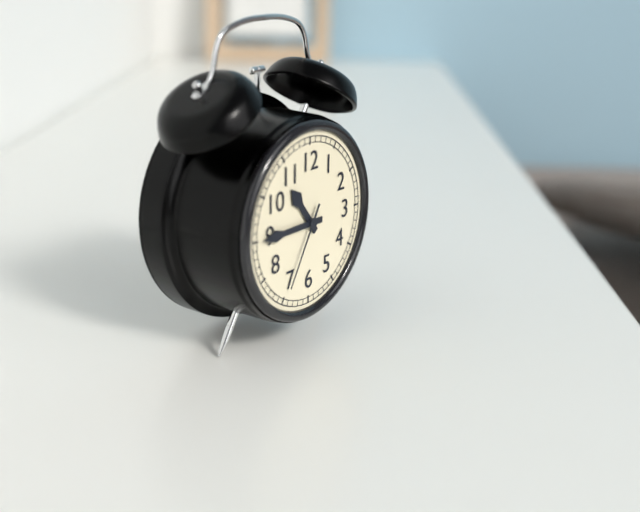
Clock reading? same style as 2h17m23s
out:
10h45m35s
